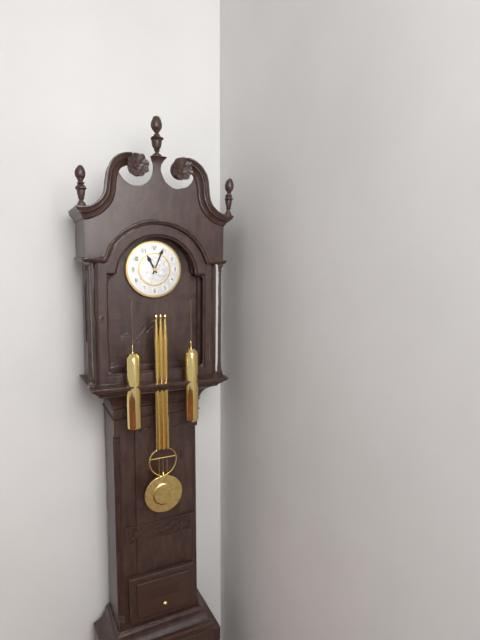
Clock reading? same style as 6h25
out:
11h04
